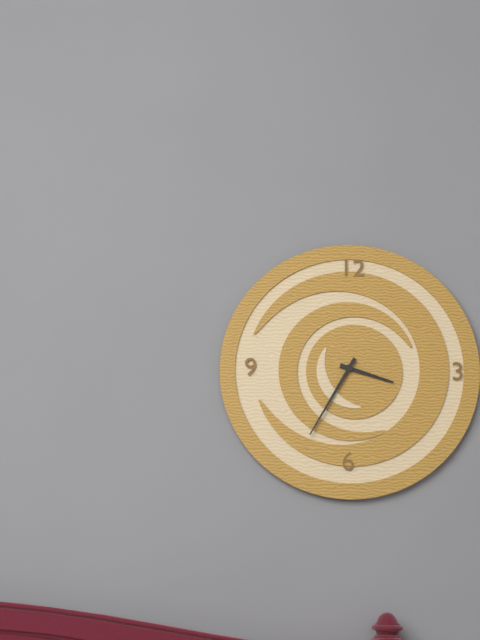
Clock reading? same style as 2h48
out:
3h35
